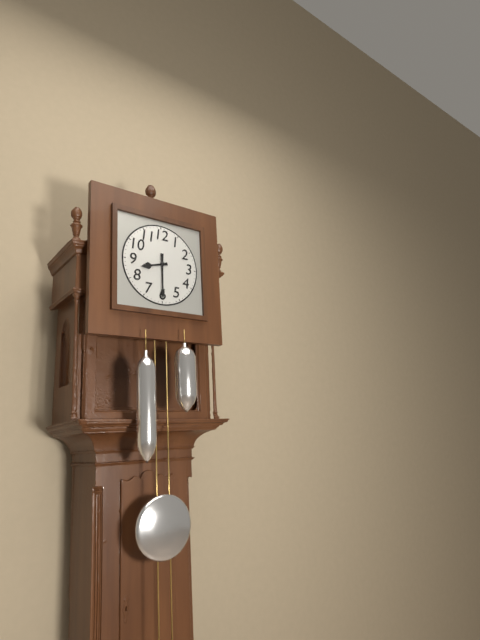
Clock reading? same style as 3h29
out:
8h30
